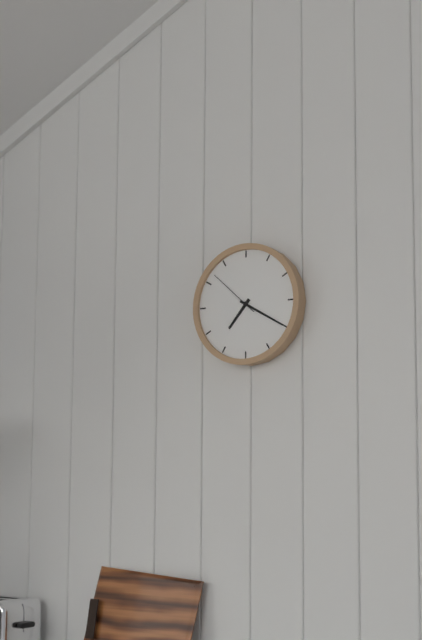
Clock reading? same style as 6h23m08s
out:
7h20m52s
